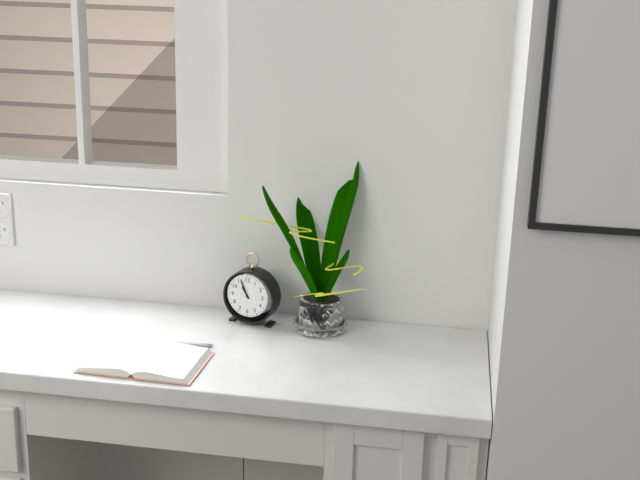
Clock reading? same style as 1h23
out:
10h56
